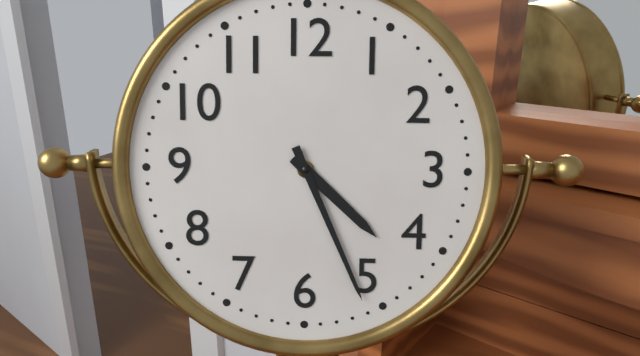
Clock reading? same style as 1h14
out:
4h26
